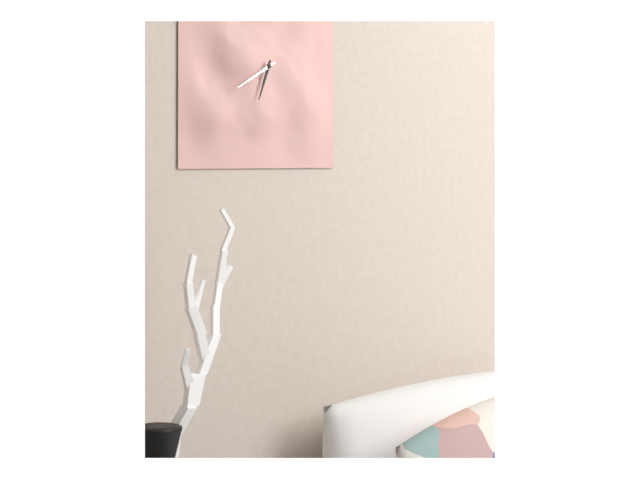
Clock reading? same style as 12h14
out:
6h40
